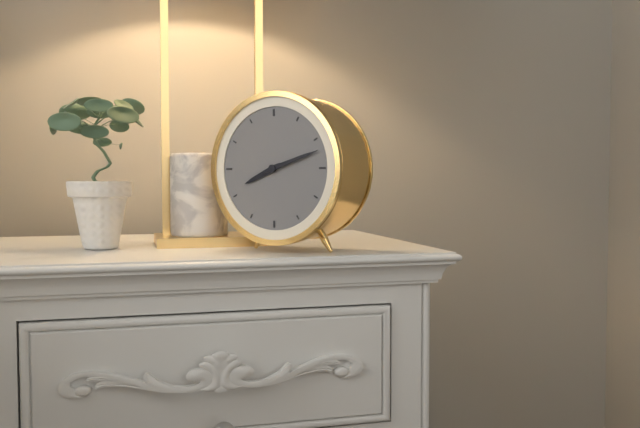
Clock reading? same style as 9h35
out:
8h12
